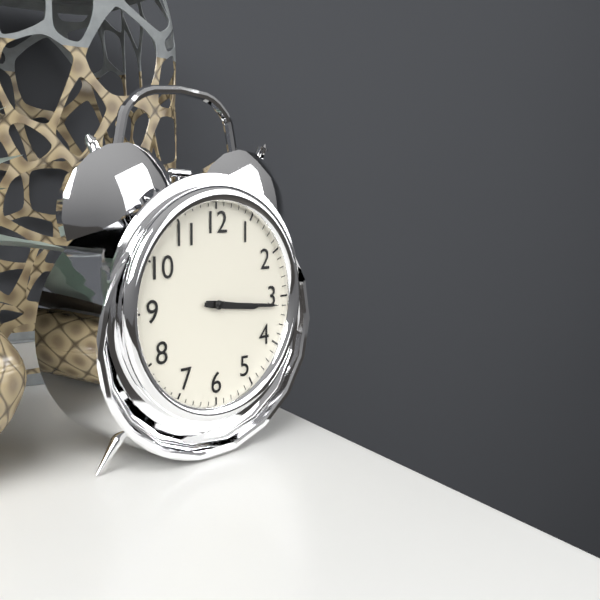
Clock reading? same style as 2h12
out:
3h16
